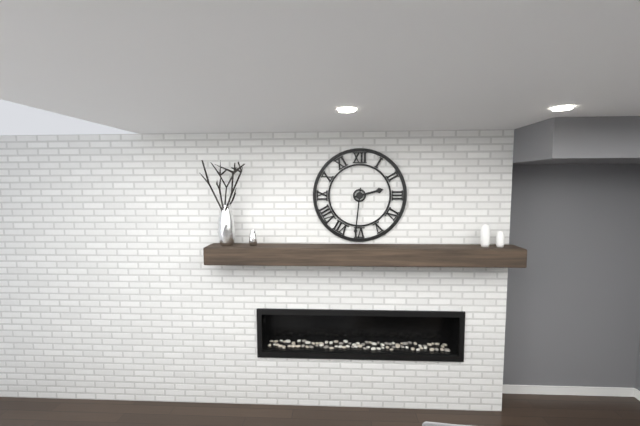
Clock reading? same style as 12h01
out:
2h31
